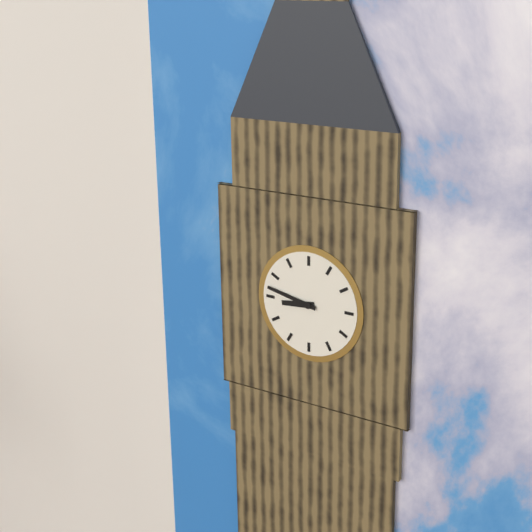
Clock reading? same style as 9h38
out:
8h47
